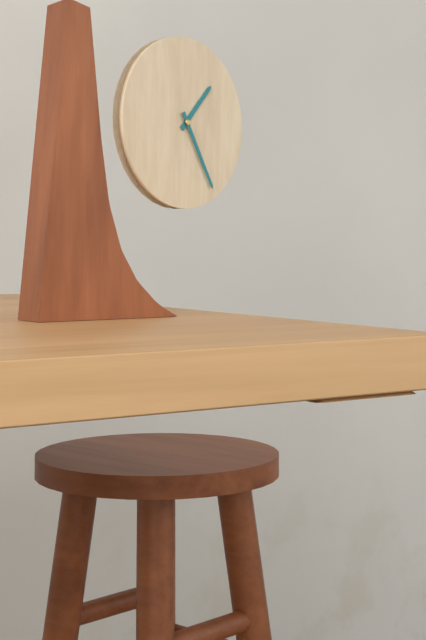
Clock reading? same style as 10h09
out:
1h25
